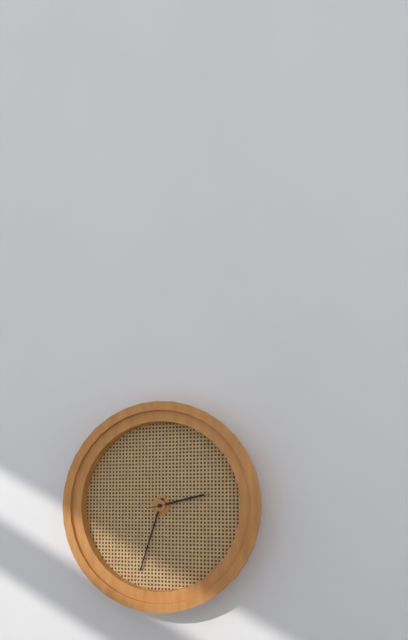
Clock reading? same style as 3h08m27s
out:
2h33m13s
